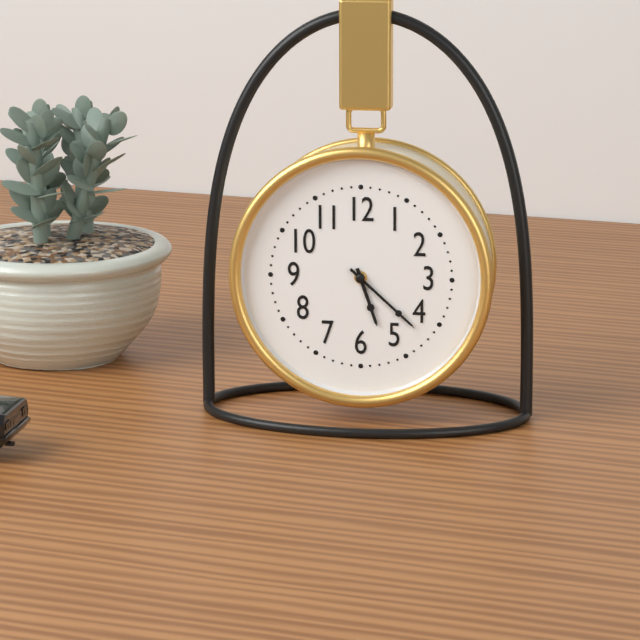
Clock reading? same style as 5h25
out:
5h22
